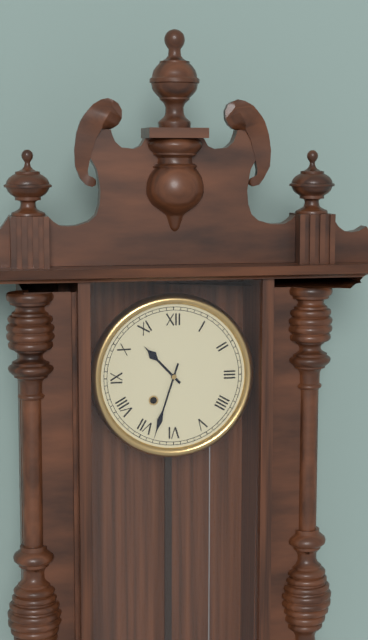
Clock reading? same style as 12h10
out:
10h33
